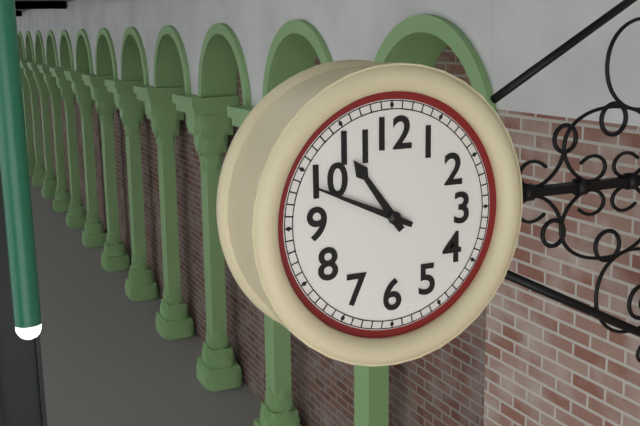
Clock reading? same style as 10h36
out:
10h49
